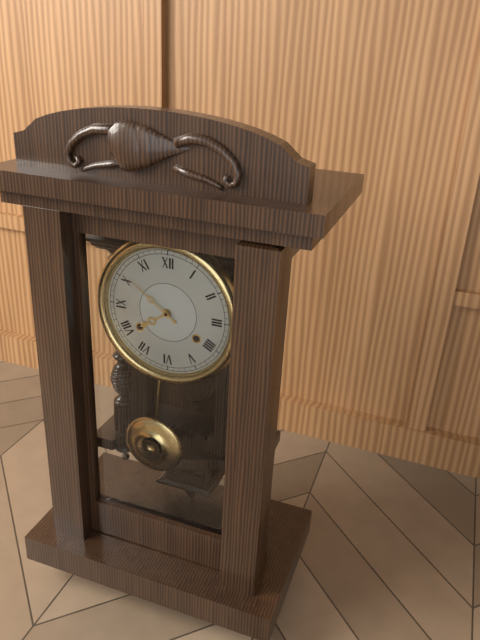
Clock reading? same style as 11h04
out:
7h51
